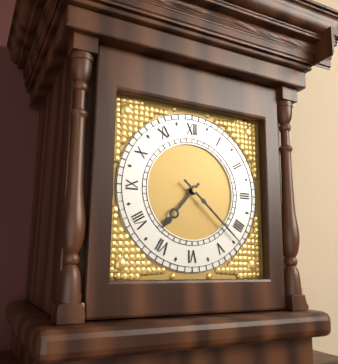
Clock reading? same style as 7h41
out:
7h22
